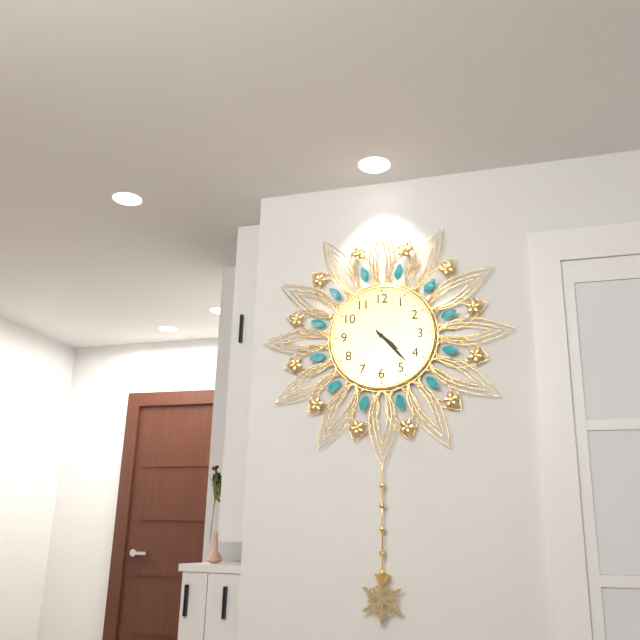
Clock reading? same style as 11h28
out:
4h23
